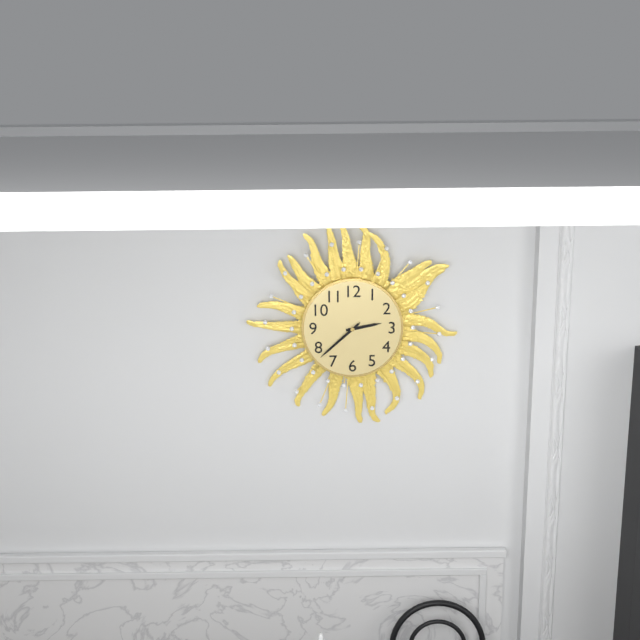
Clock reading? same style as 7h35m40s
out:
2h38m38s
